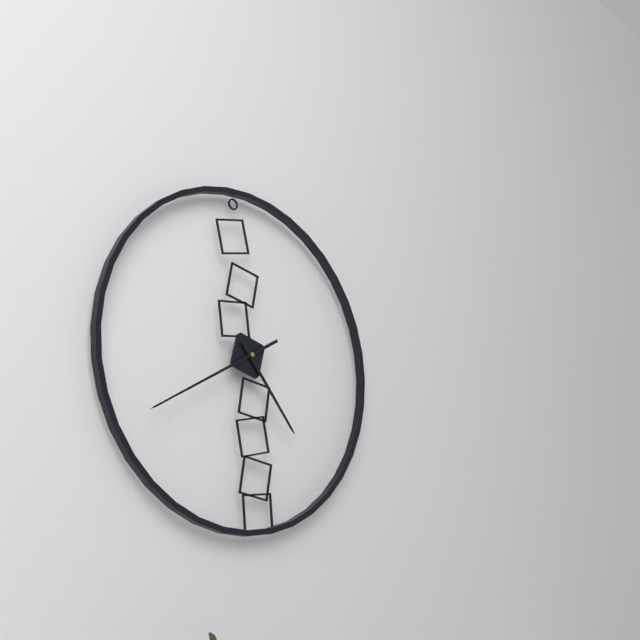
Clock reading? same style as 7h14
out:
4h40
